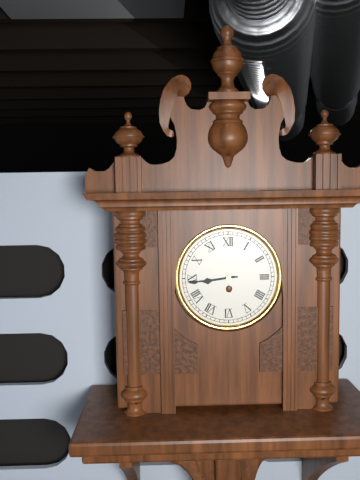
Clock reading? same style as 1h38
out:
8h44
